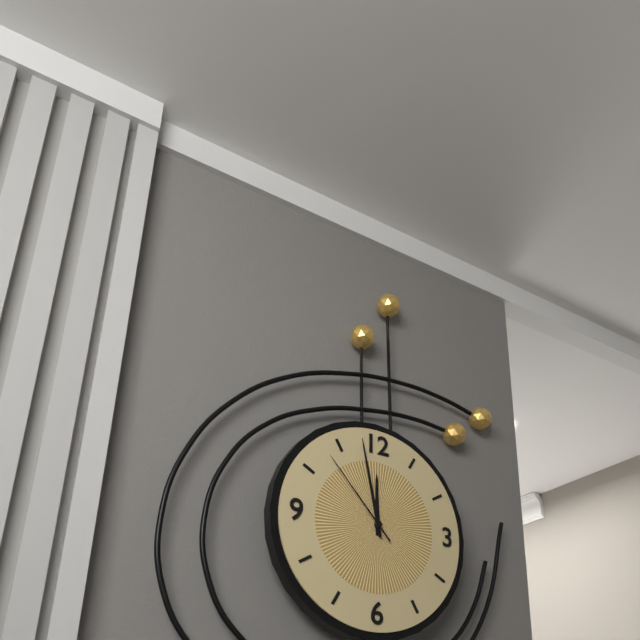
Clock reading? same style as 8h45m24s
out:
11h58m53s
